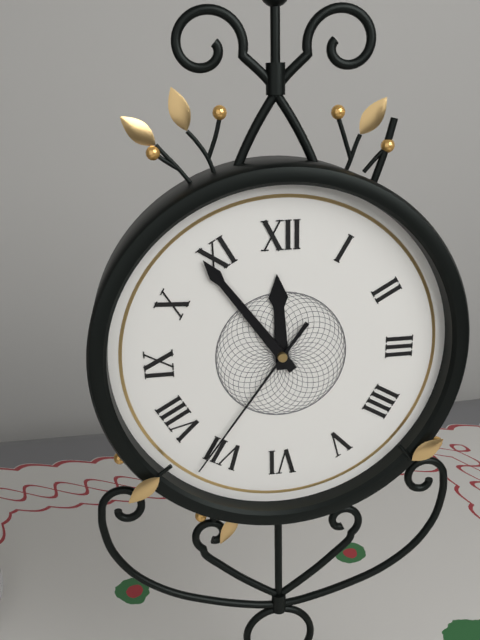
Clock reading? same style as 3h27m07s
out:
11h54m36s
